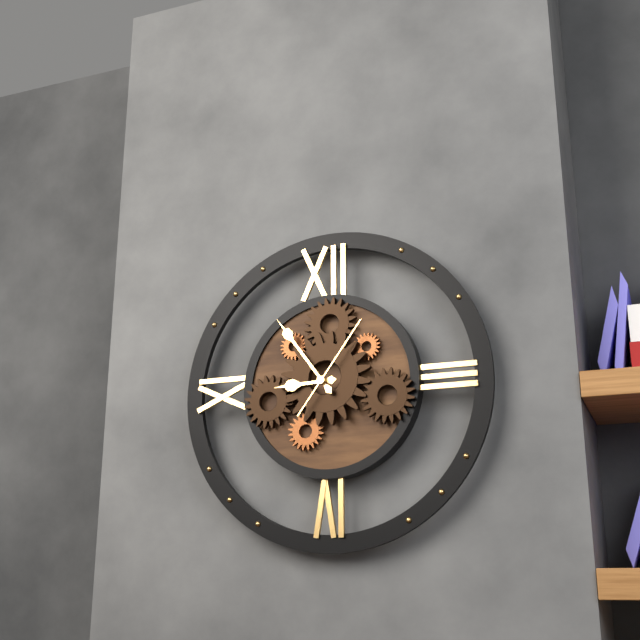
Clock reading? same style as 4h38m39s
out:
8h54m06s
